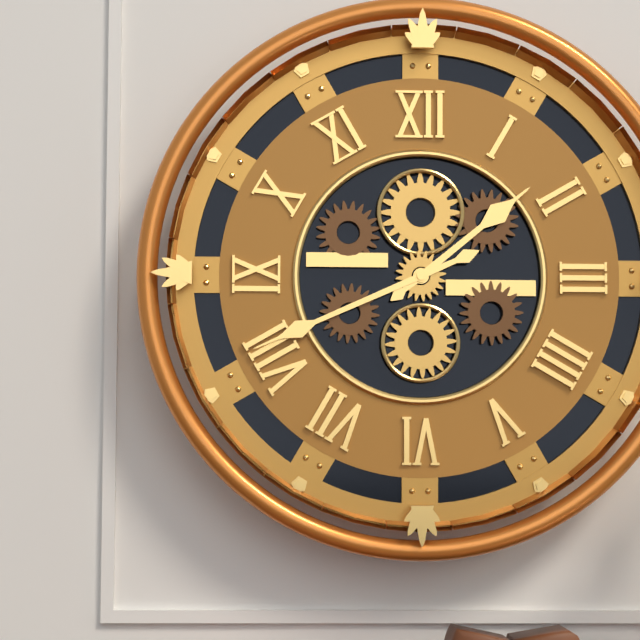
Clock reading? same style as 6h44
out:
1h41
